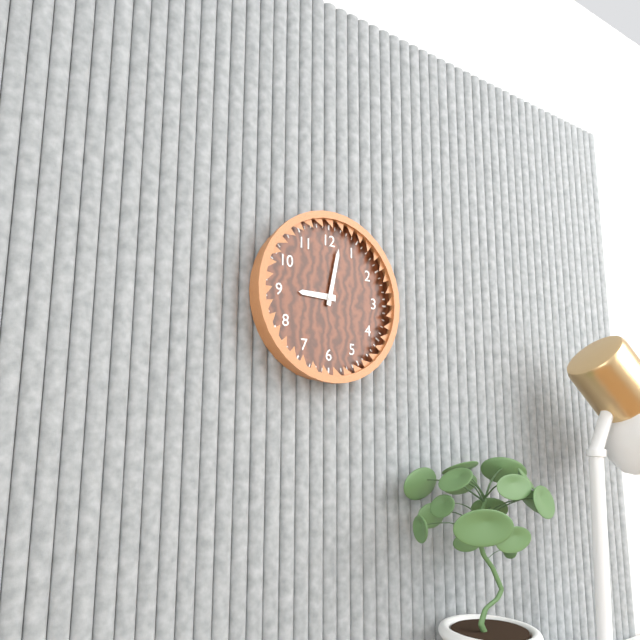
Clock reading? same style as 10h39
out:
9h02
